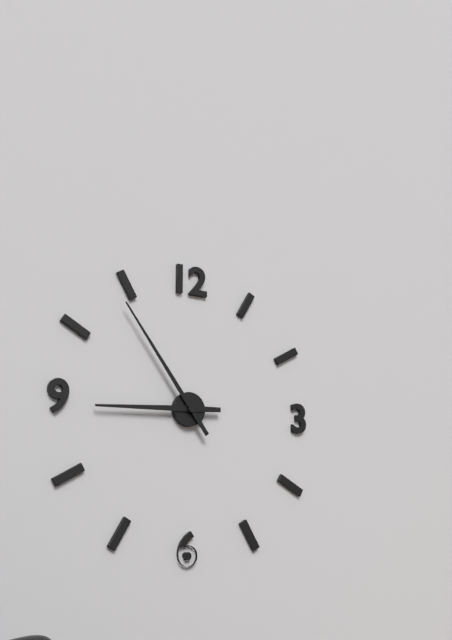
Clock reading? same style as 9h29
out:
8h54
